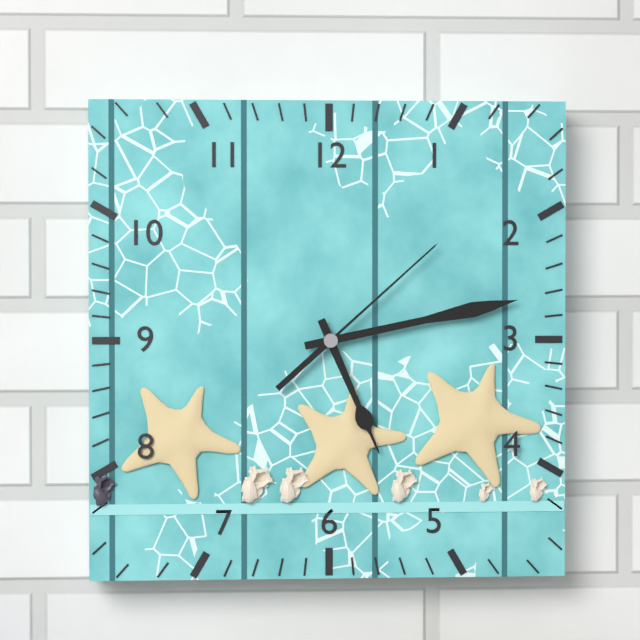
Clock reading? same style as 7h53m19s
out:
5h13m08s
